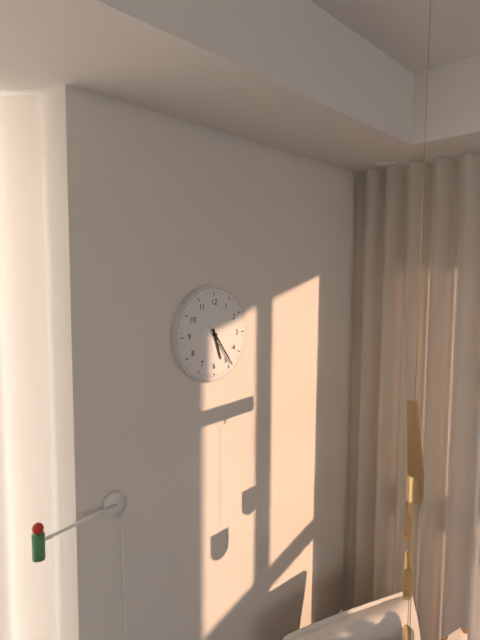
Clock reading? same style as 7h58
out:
5h24
